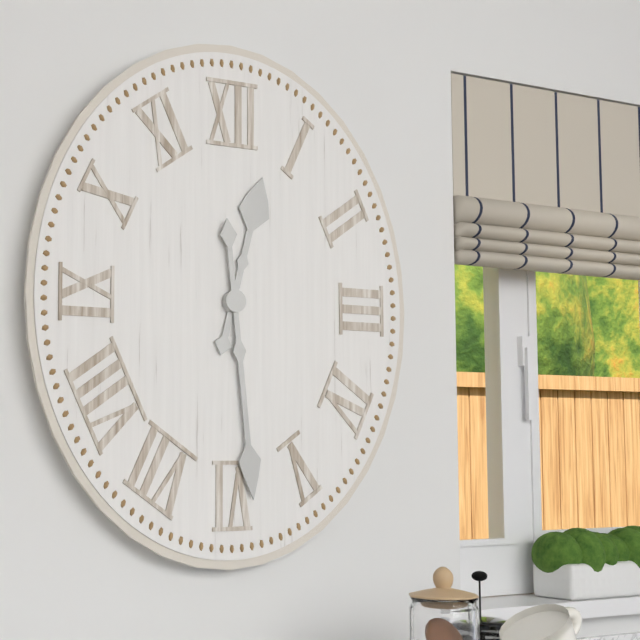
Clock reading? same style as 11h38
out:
12h29
